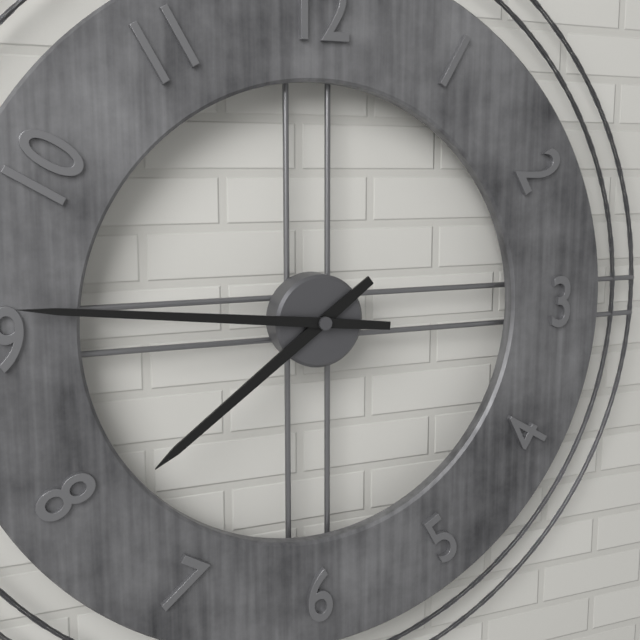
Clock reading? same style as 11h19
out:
7h46
